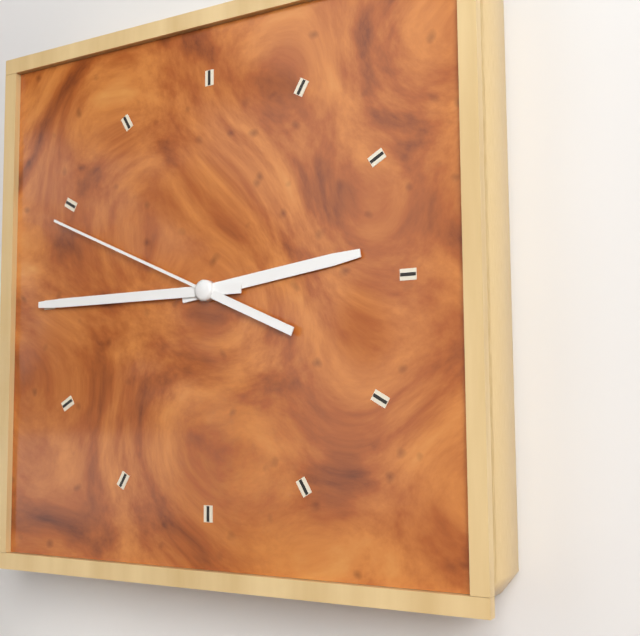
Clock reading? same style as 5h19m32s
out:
2h45m49s
